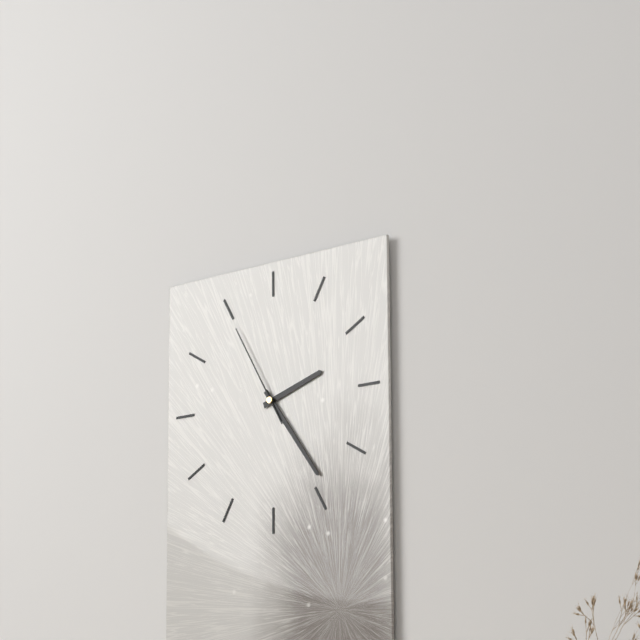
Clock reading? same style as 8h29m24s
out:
2h24m55s
